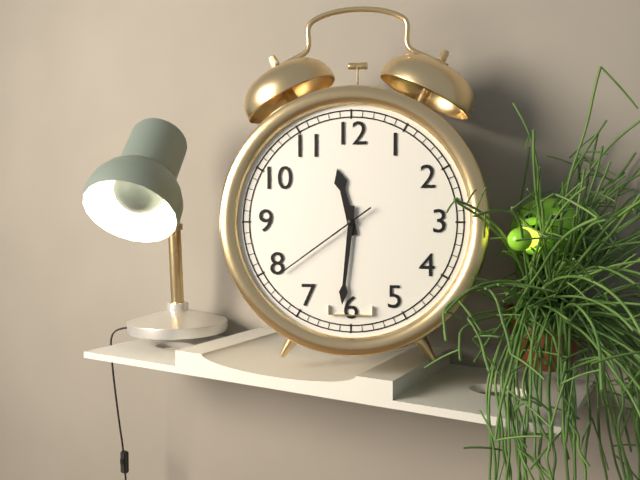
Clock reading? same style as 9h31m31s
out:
11h31m39s
